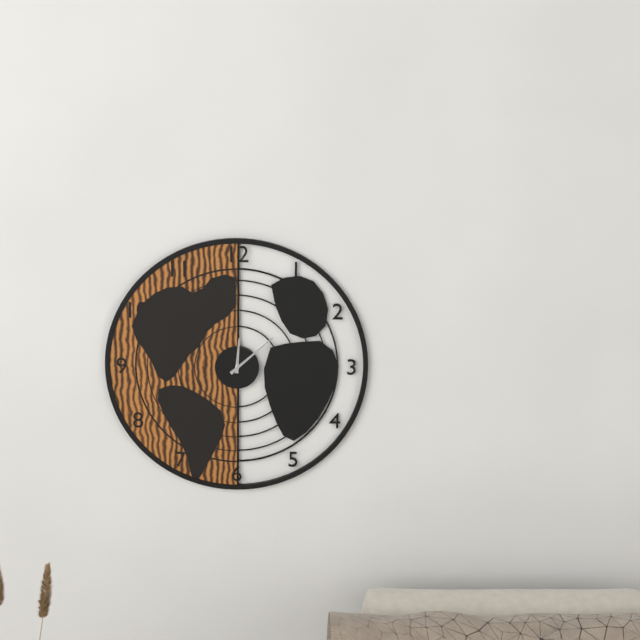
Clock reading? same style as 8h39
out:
12h08
